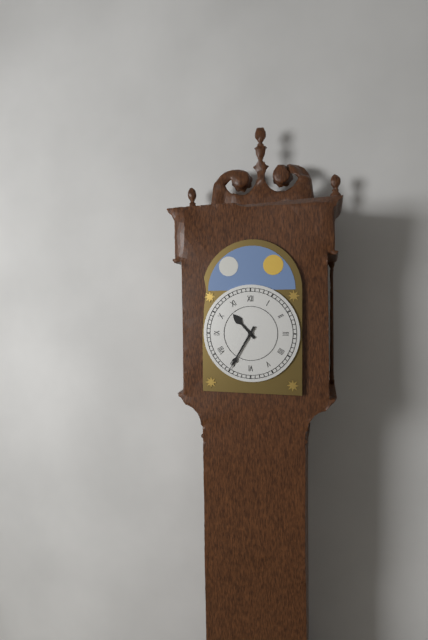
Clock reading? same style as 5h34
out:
10h35
